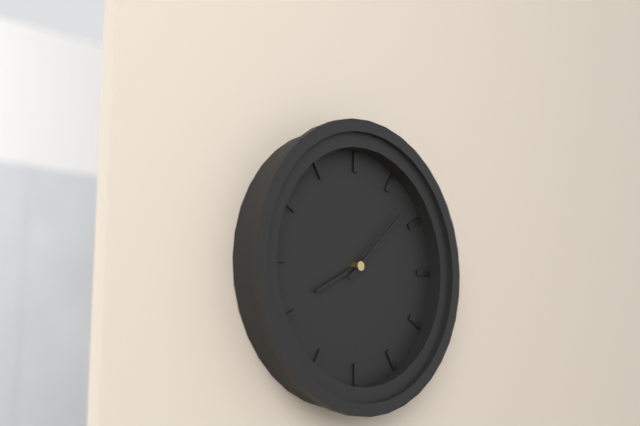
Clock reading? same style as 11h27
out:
8h08
